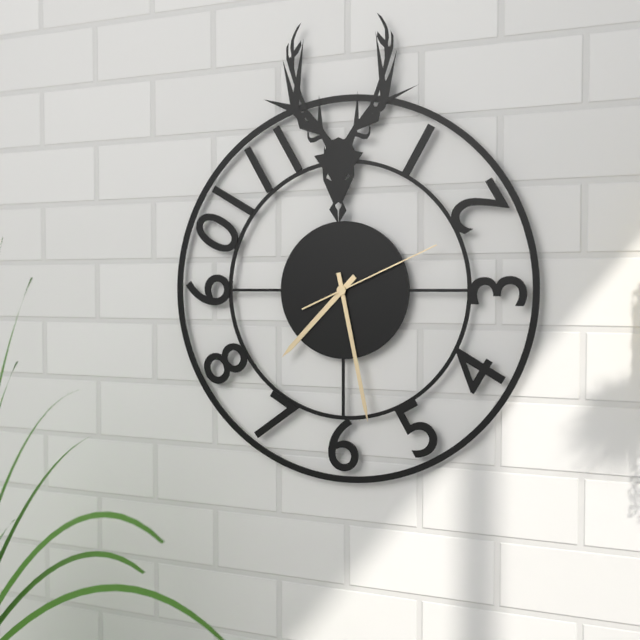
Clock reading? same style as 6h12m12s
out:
7h28m11s
